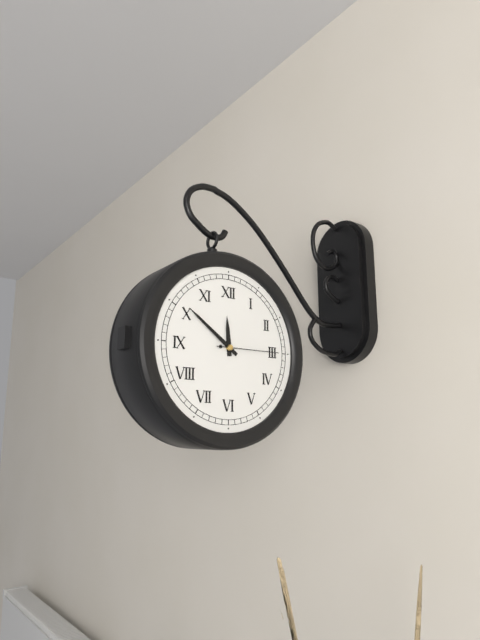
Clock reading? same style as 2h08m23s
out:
11h51m15s
